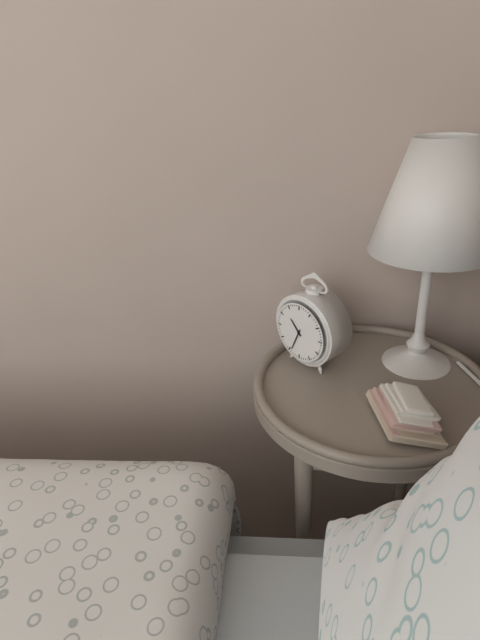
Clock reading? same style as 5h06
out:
10h34
